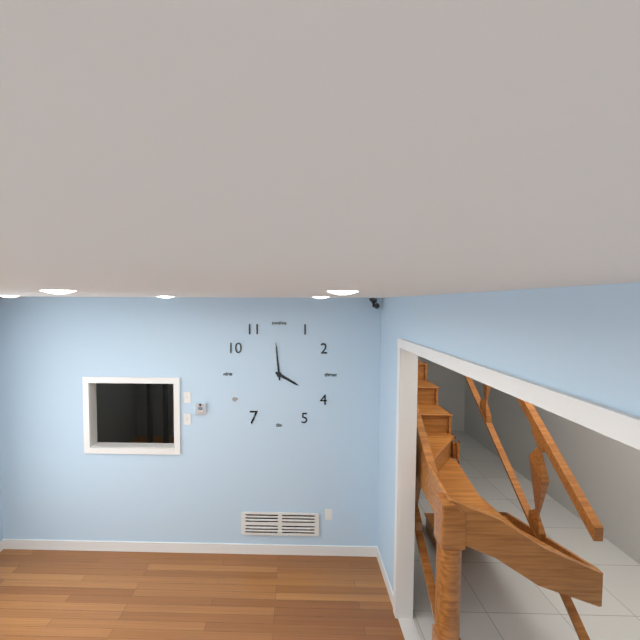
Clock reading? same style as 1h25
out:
3h59
